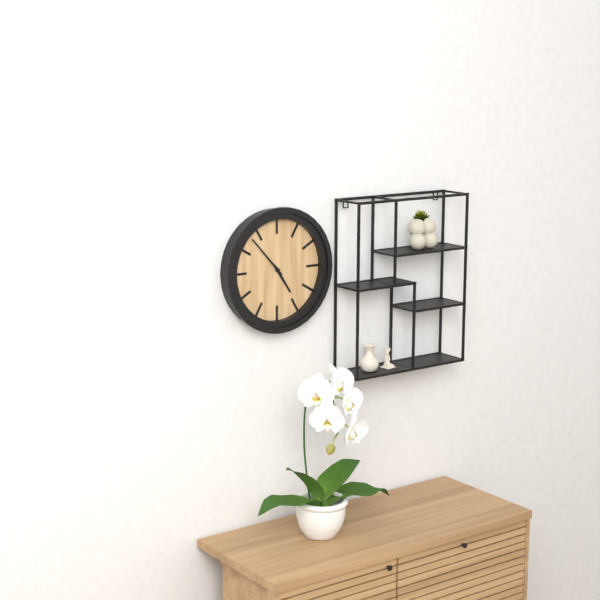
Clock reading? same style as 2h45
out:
4h53
